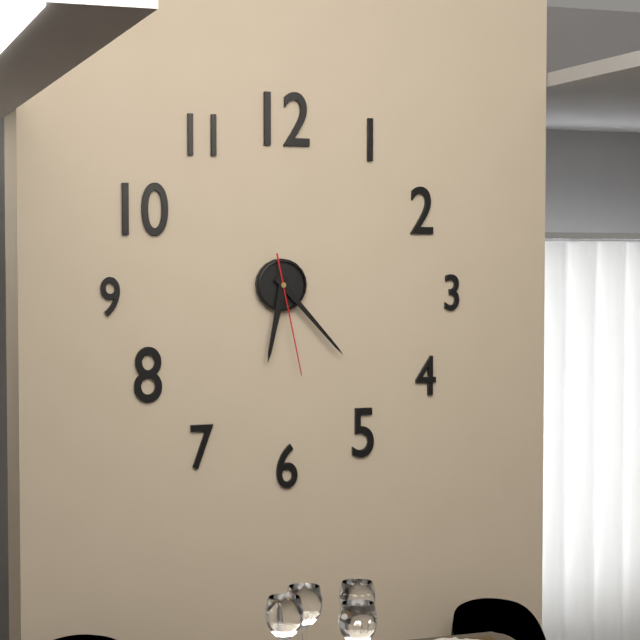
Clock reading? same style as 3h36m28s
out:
6h23m28s
